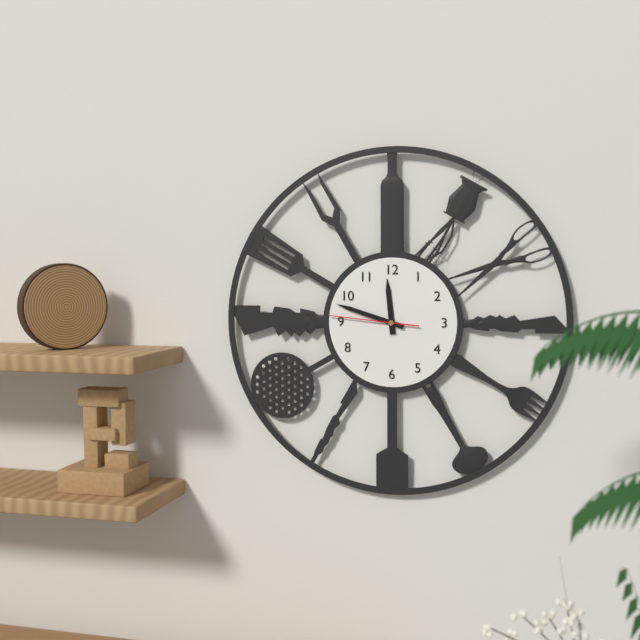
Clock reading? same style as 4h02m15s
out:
11h48m46s
